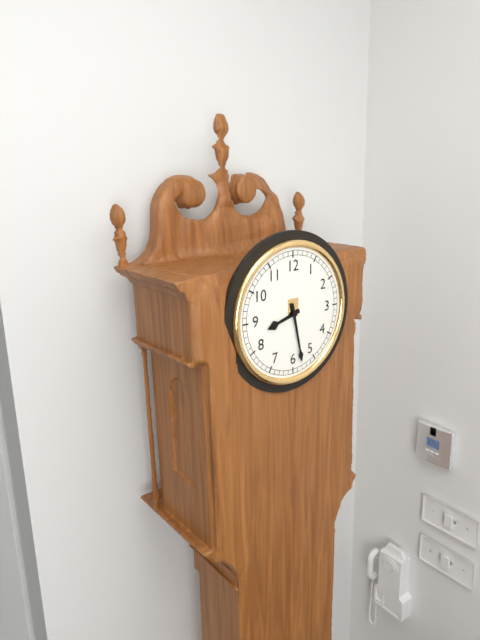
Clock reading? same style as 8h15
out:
8h28
